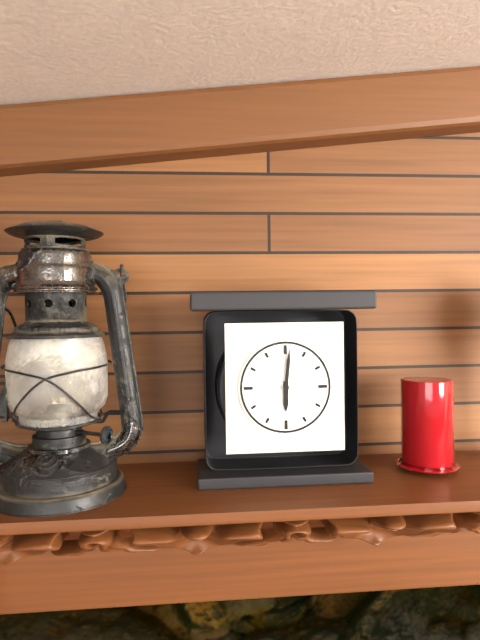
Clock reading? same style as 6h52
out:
6h01
